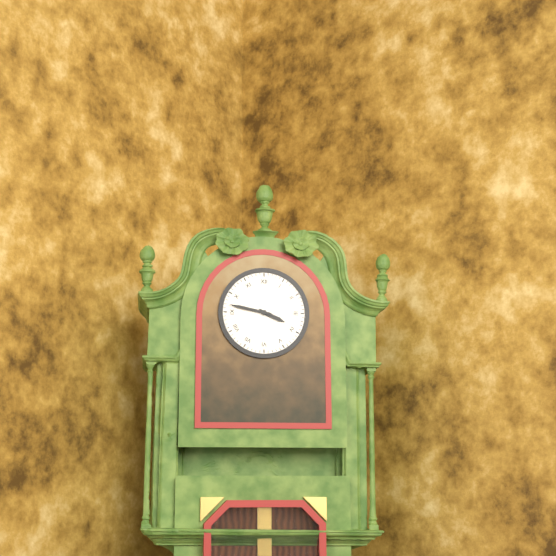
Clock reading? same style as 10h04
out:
3h47
